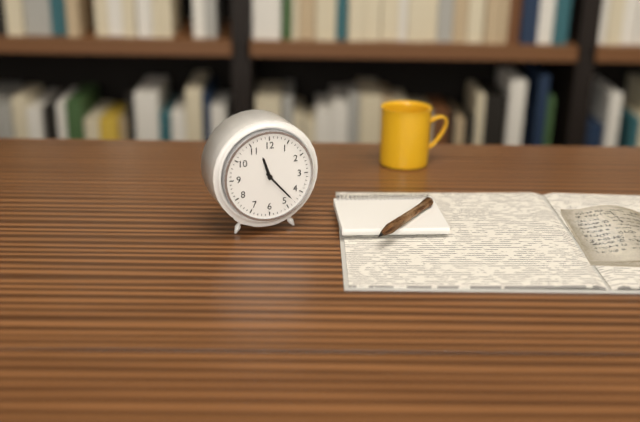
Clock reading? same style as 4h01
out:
11h23
